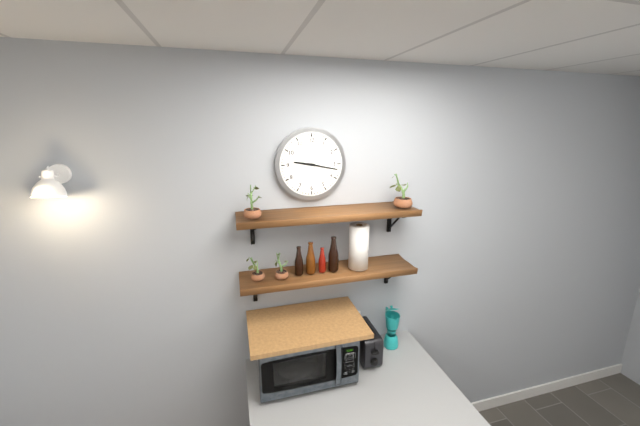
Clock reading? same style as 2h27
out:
9h17
